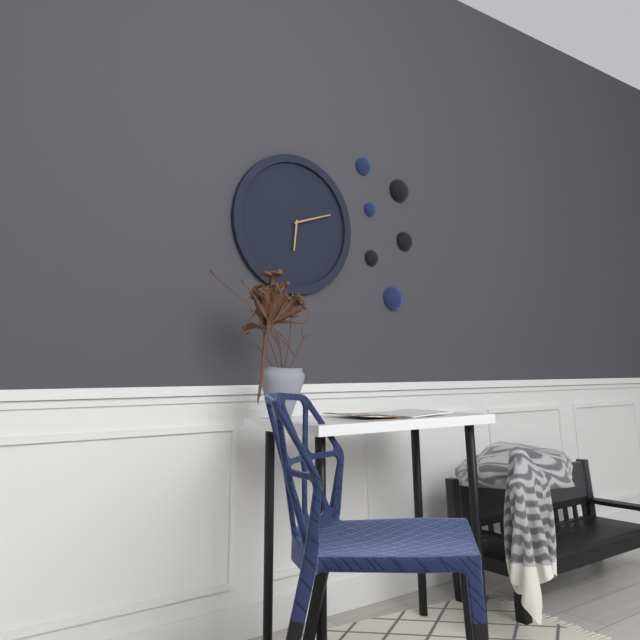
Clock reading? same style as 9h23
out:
6h12
